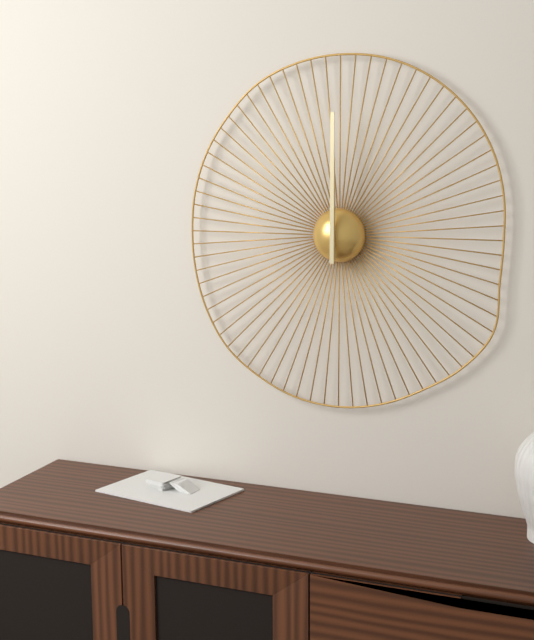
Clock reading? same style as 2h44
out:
12h00
